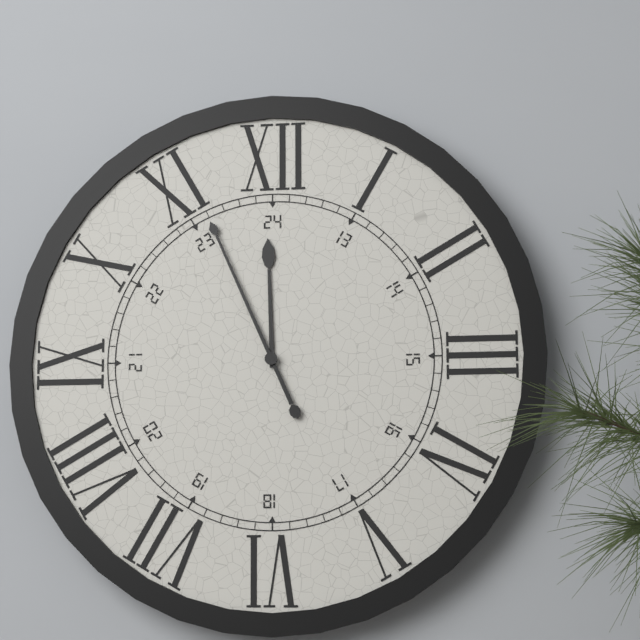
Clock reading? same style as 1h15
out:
11h56
